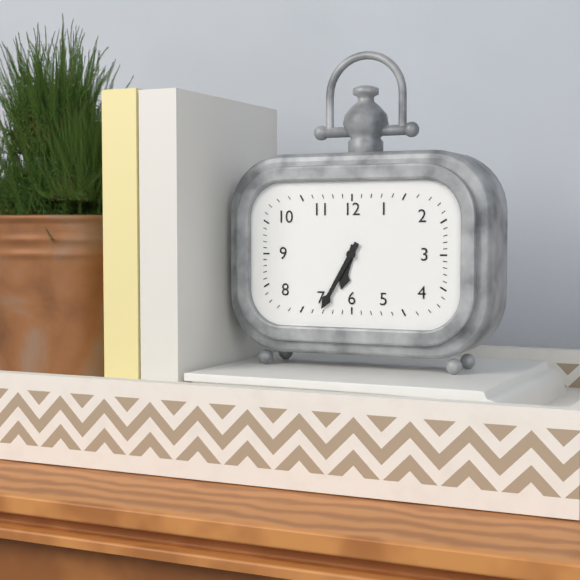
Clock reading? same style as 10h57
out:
6h35
